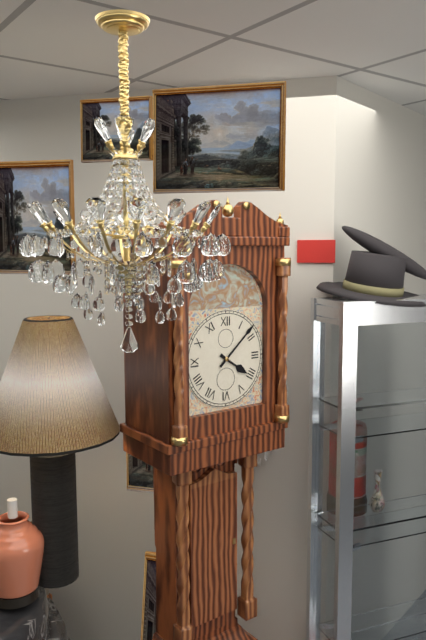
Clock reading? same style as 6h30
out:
4h08
